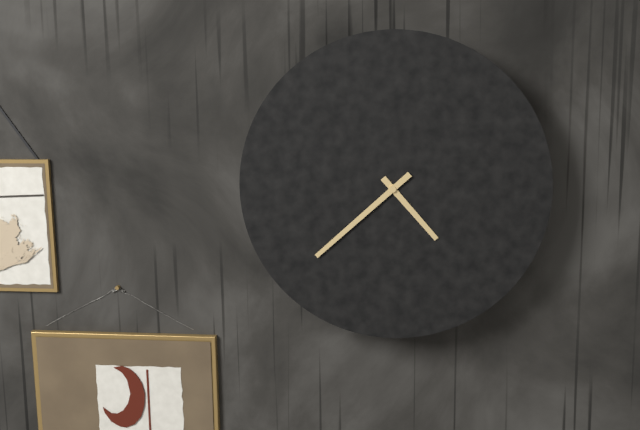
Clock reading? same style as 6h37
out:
4h38
